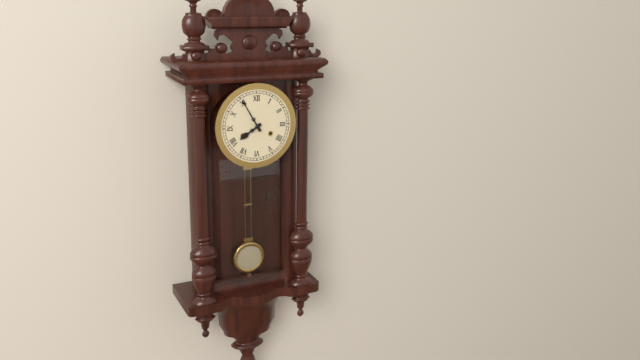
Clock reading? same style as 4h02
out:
7h55
